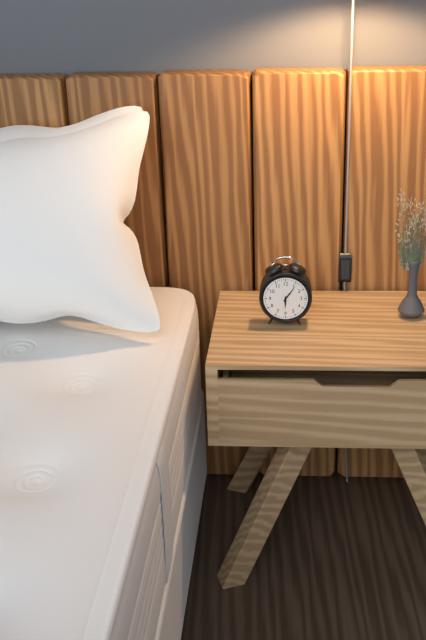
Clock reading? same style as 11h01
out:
6h06
